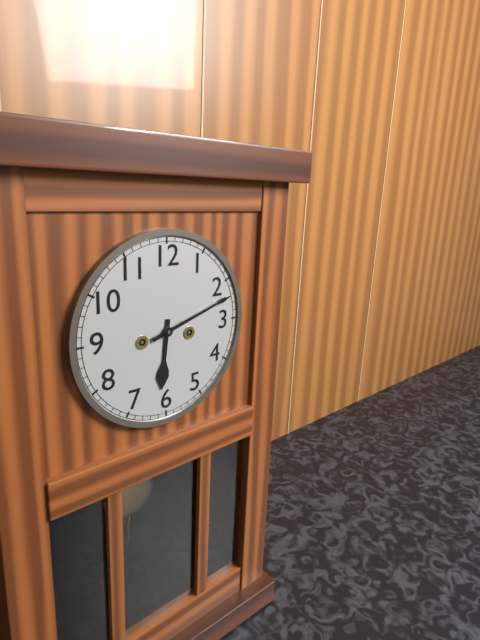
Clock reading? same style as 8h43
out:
6h12
